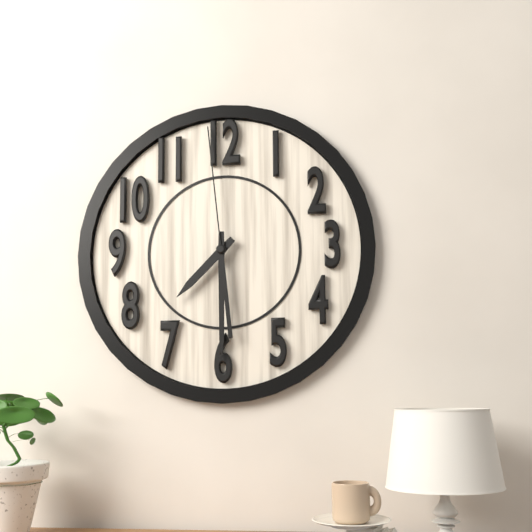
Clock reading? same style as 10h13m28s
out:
7h30m59s
